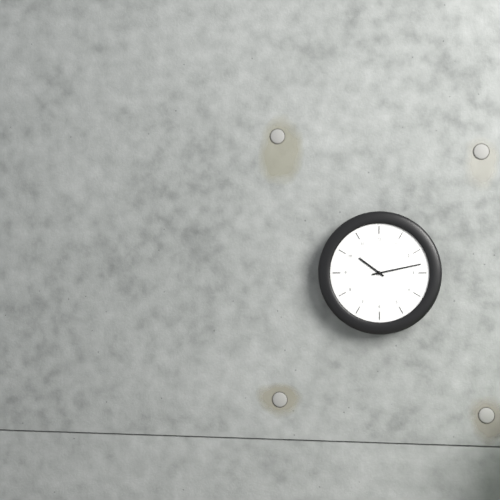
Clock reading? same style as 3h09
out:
10h13
